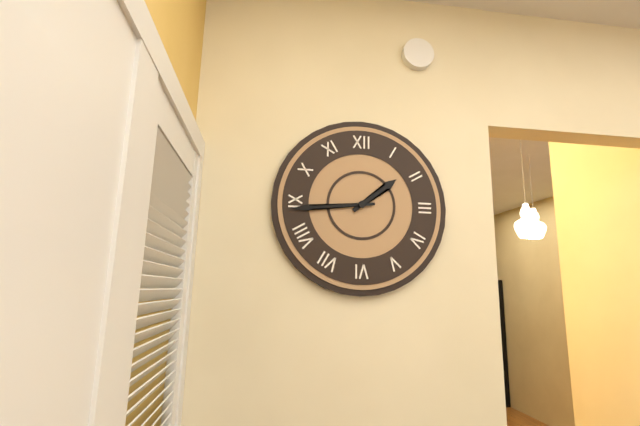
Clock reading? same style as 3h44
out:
1h44
